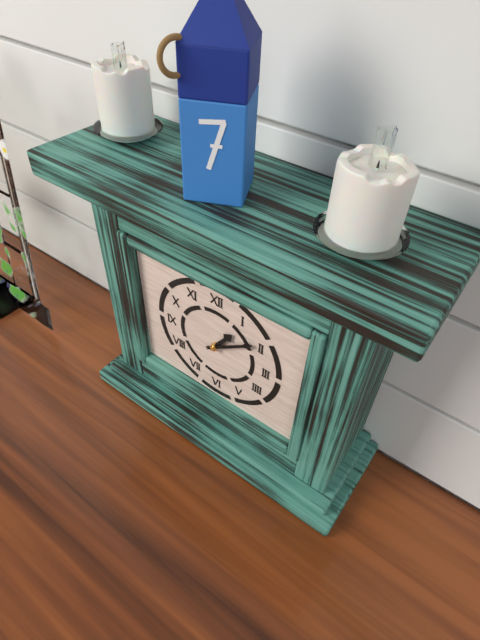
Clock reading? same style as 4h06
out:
1h09
